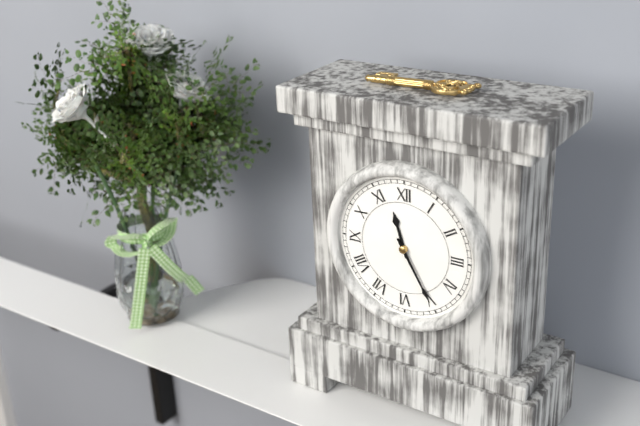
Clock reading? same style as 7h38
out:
11h25
